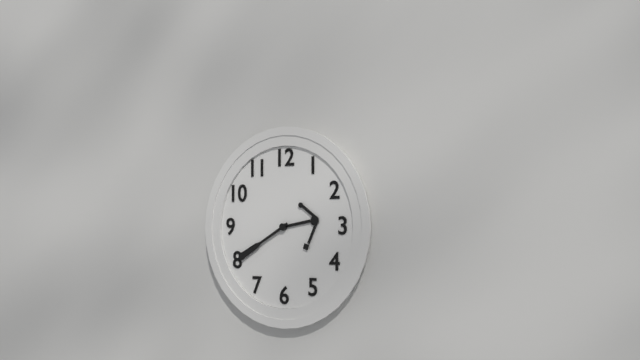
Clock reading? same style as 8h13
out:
2h40
